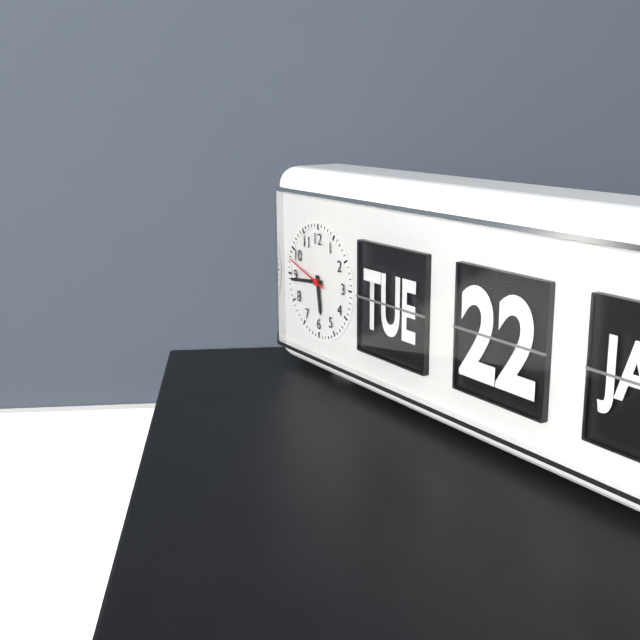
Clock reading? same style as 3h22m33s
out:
5h44m48s
